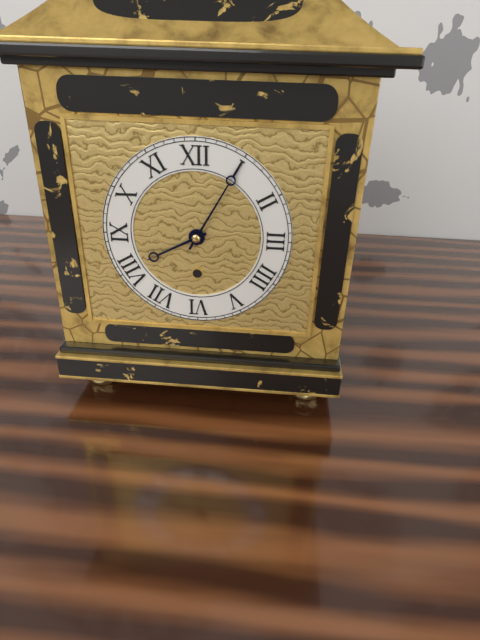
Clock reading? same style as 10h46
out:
8h05
